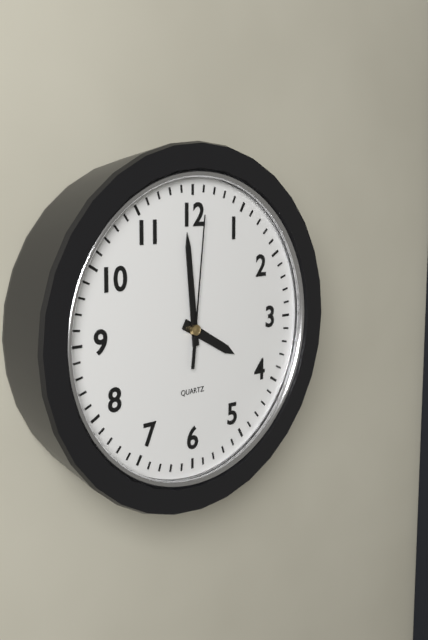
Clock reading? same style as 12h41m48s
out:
3h59m01s
